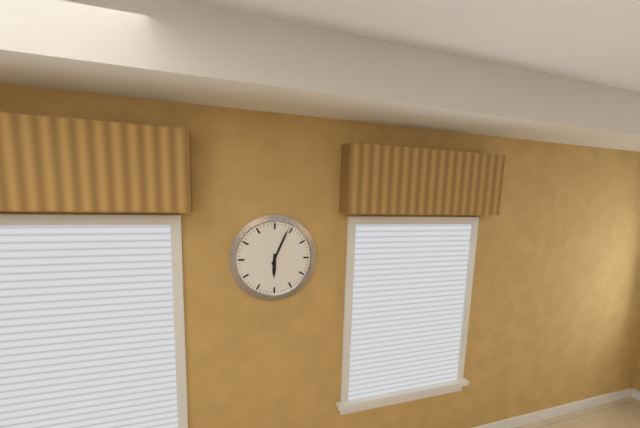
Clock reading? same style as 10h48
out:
6h04
